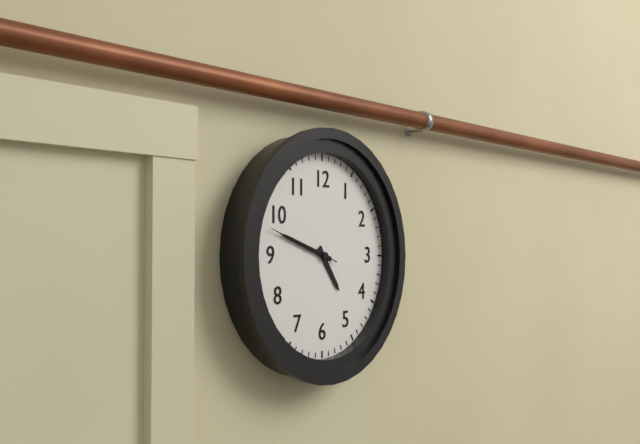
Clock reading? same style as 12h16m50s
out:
4h48m48s
